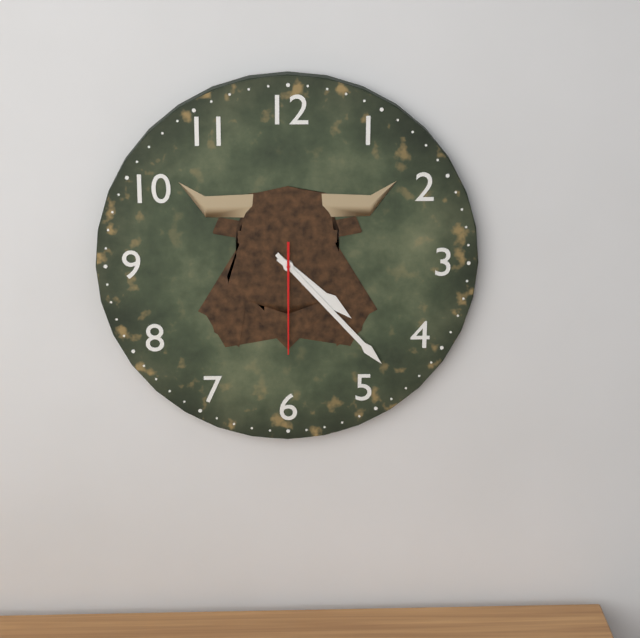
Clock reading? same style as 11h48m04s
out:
4h23m30s
